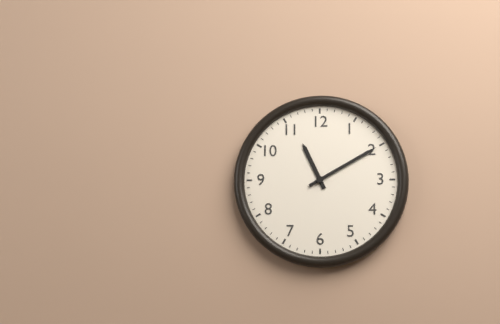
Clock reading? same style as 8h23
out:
11h10
